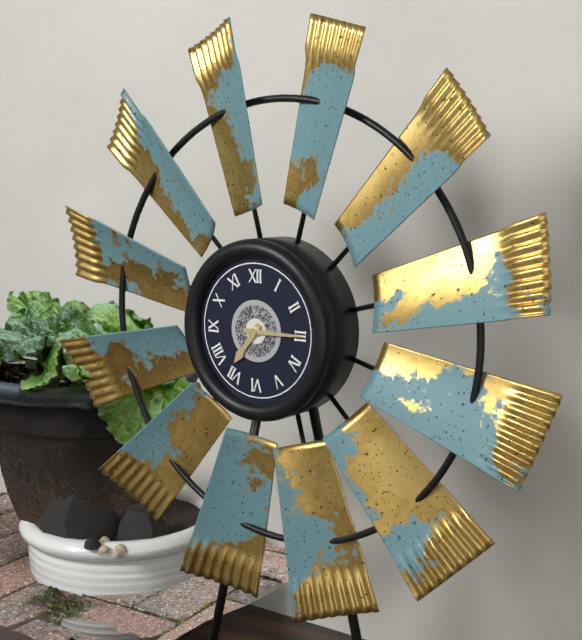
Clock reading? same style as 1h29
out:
7h15
